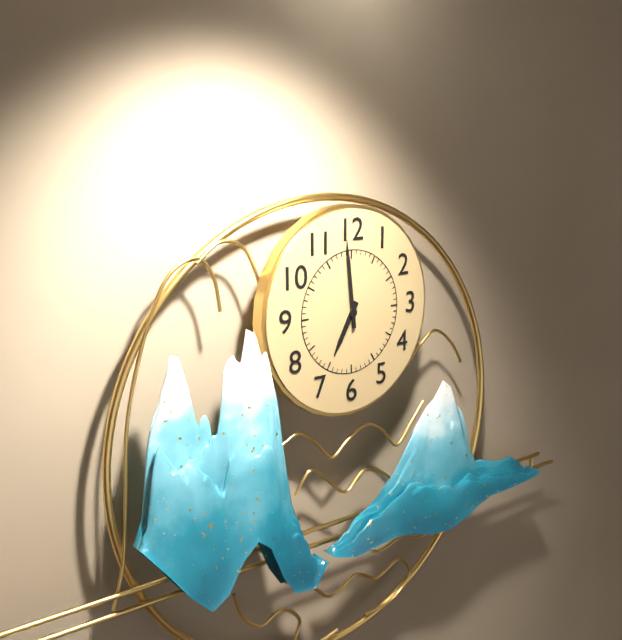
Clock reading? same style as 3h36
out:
6h59
